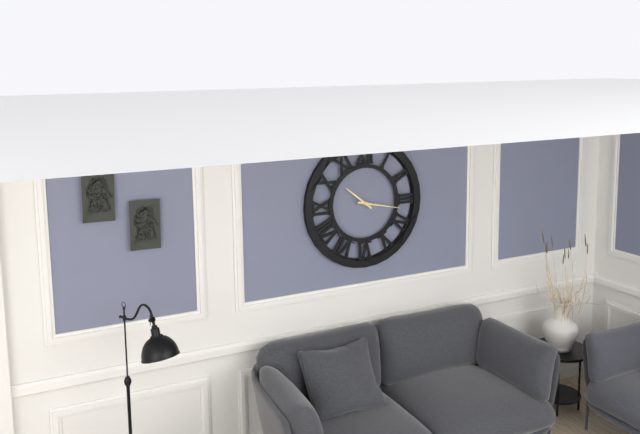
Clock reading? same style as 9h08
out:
10h17
